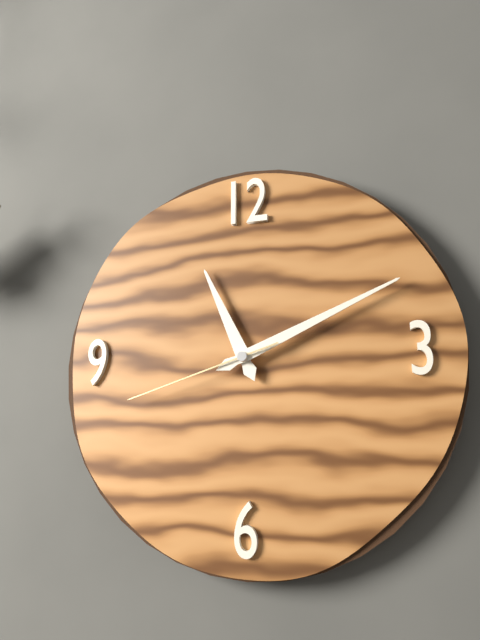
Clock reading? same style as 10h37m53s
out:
11h11m42s
